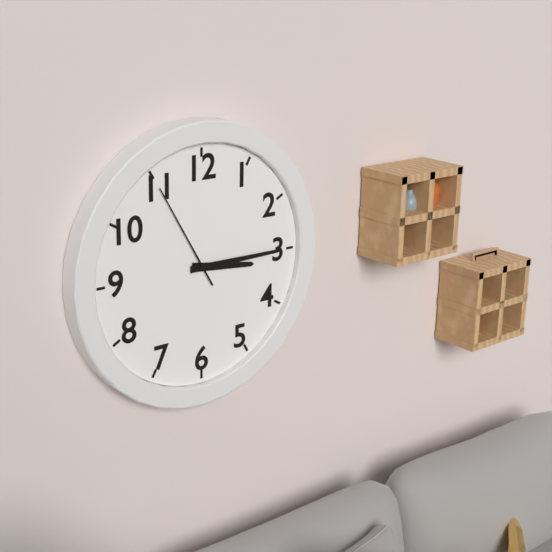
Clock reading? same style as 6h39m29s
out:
3h15m55s
